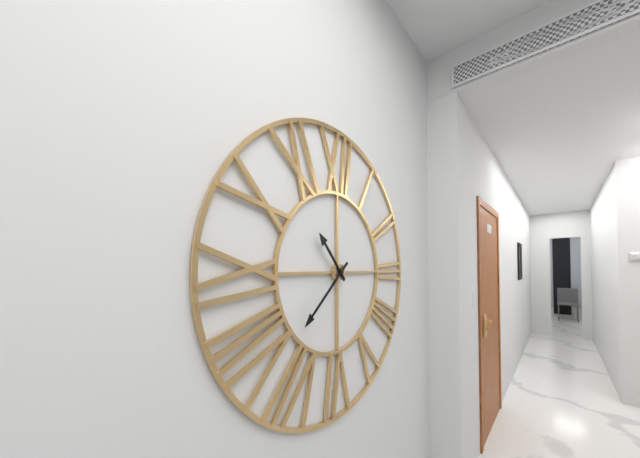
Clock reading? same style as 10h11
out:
10h38
